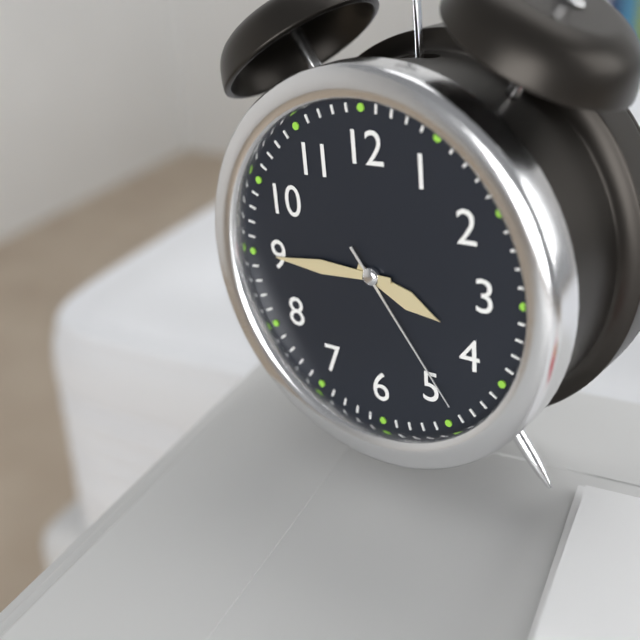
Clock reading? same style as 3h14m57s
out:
3h45m24s
